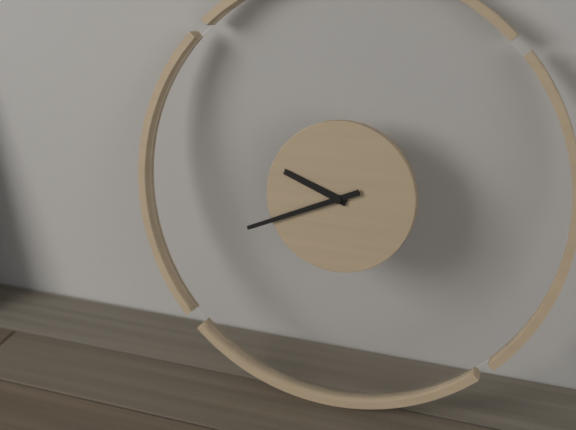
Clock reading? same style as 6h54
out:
9h41
